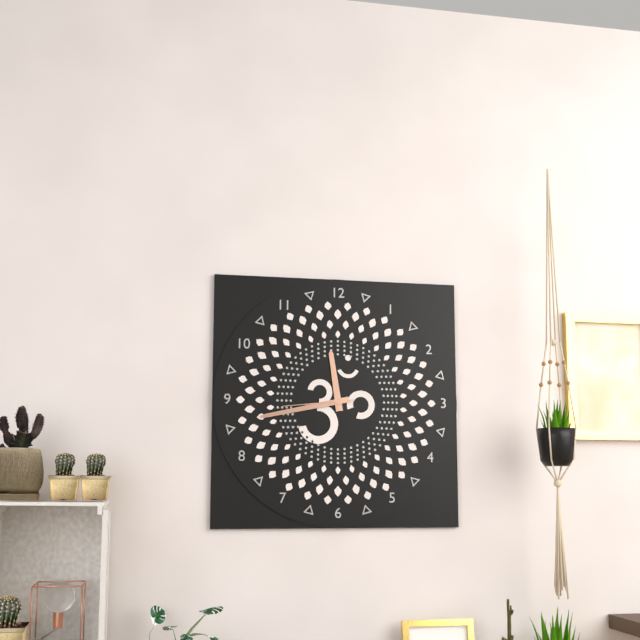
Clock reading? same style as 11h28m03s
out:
11h43m44s
